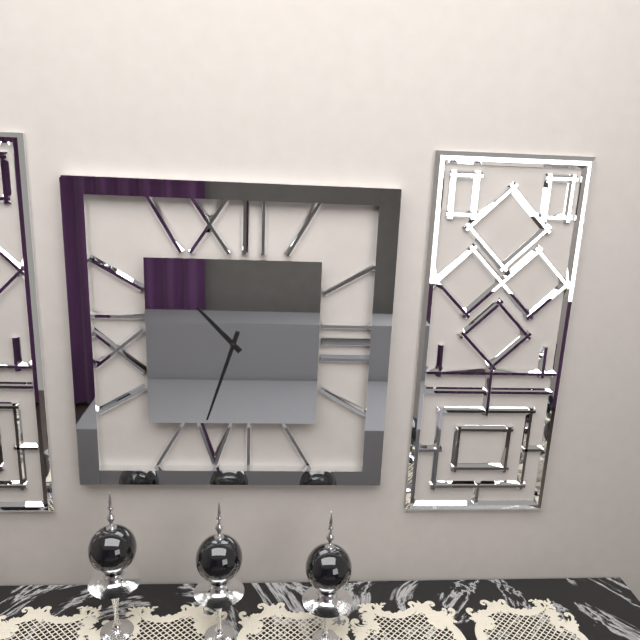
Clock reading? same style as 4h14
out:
10h33
